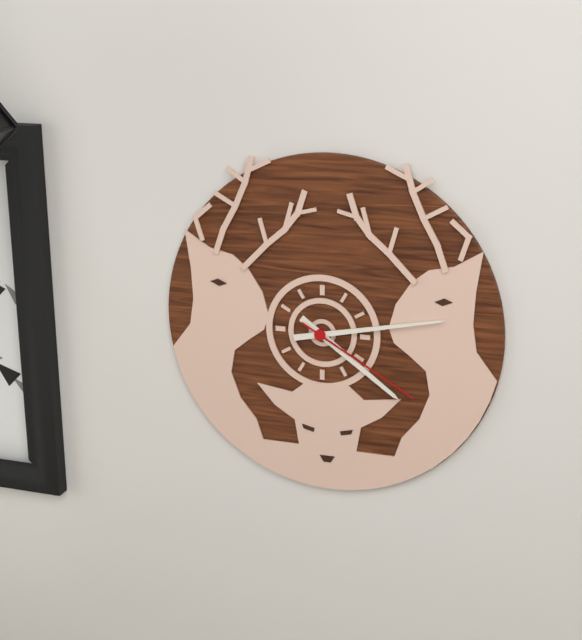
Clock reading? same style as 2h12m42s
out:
4h13m20s
